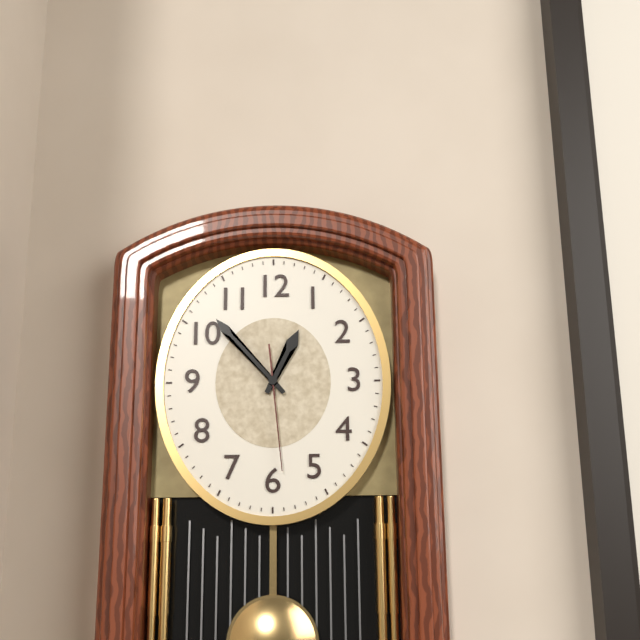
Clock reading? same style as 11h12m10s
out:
12h53m29s
